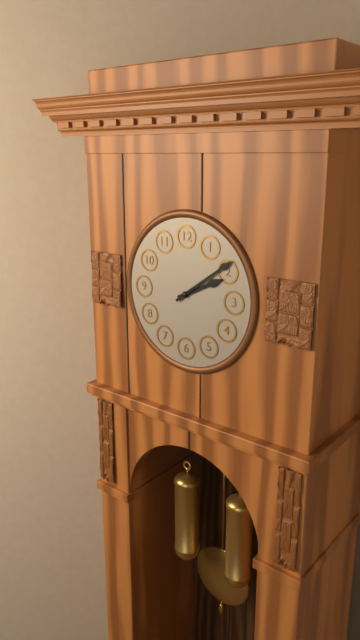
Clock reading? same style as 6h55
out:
2h09
